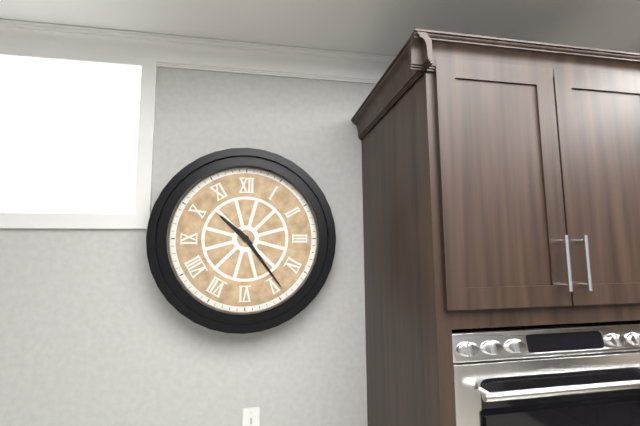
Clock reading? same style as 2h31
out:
10h24
